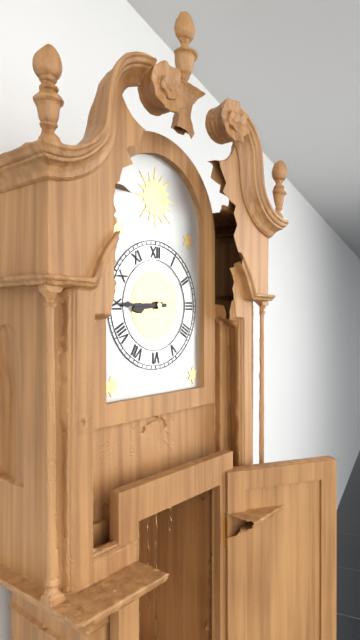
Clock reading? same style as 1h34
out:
8h45
